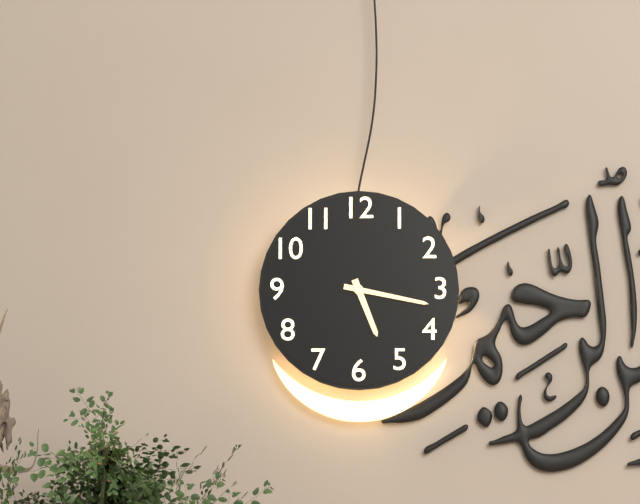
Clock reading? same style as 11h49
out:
5h17
